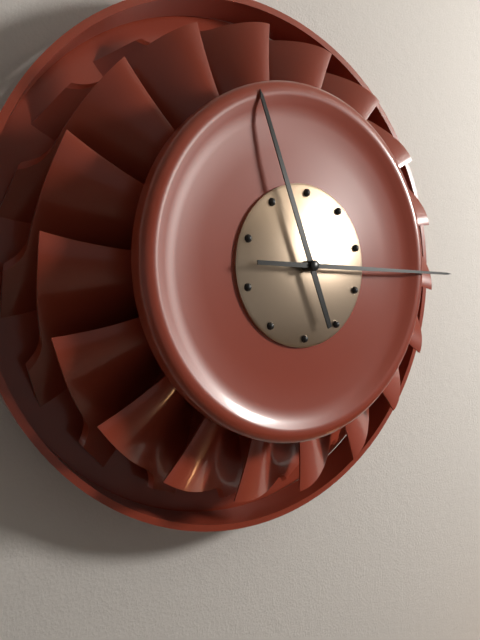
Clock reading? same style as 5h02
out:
11h15
